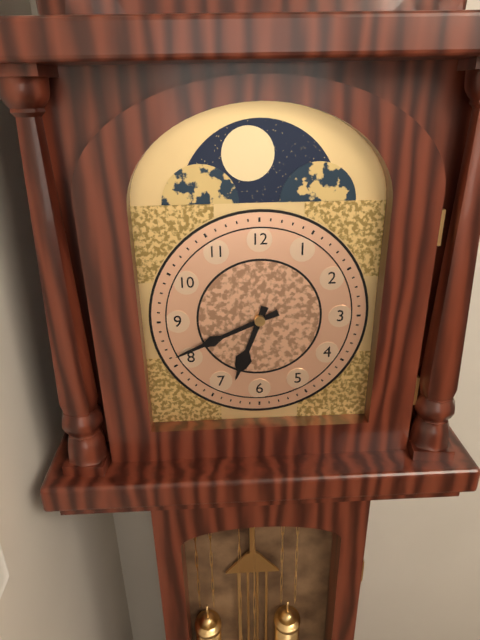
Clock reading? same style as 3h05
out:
6h41
